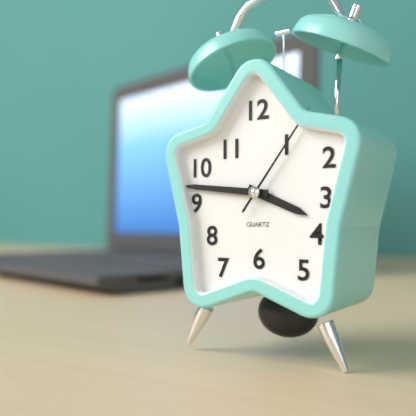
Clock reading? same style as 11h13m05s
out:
3h46m06s
